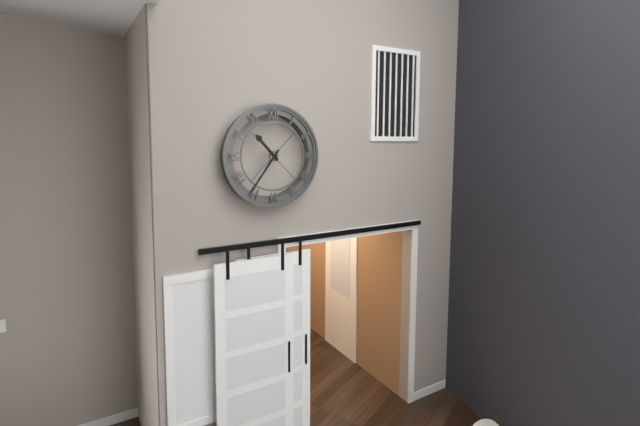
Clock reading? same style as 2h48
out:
10h36
